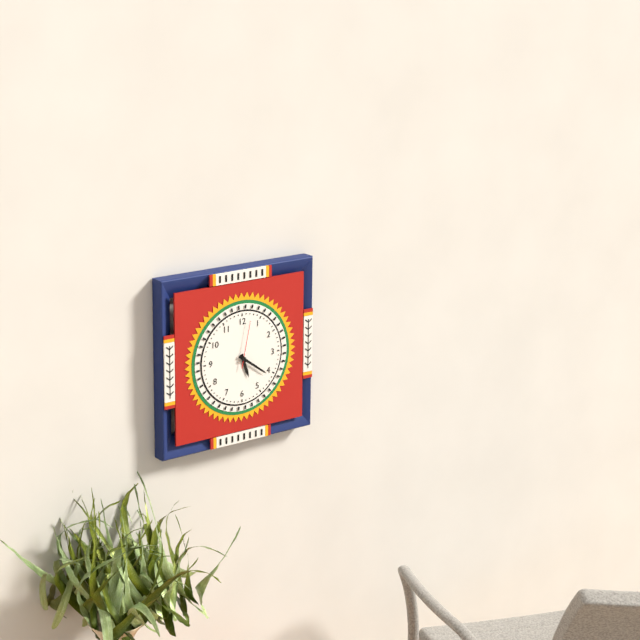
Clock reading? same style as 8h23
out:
5h21
